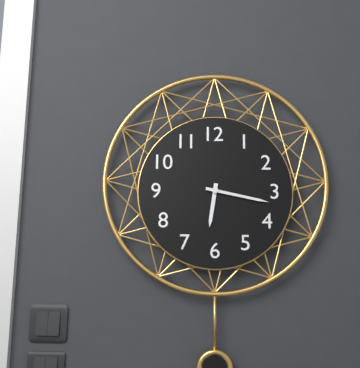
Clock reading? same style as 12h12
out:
6h17
